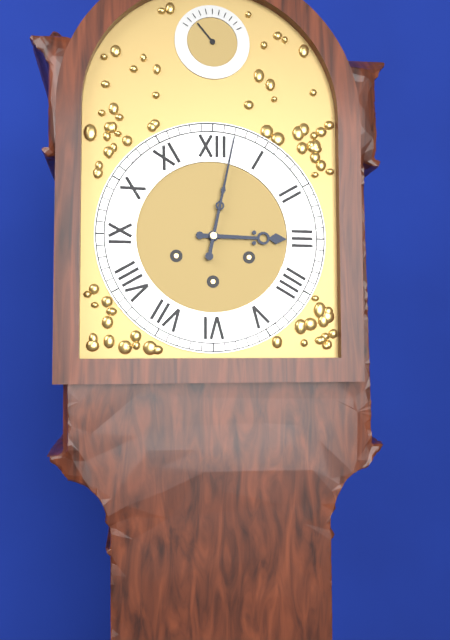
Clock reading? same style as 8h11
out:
3h02
